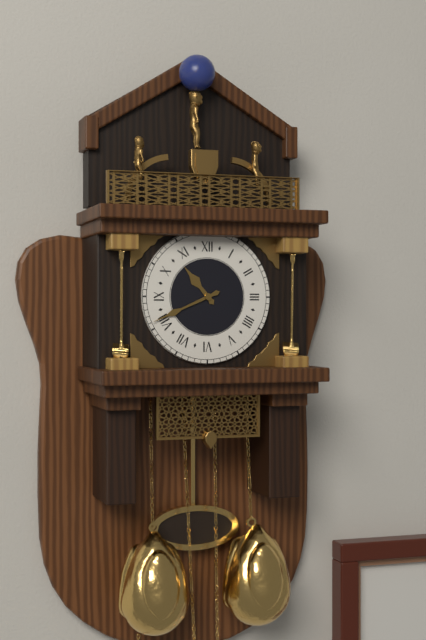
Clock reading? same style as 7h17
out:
10h41
